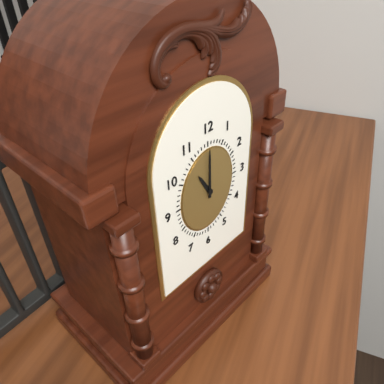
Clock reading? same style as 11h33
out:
11h00
